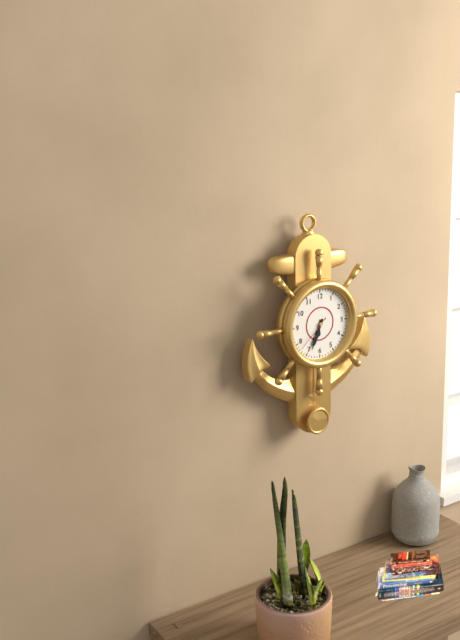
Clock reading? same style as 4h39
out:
6h34
